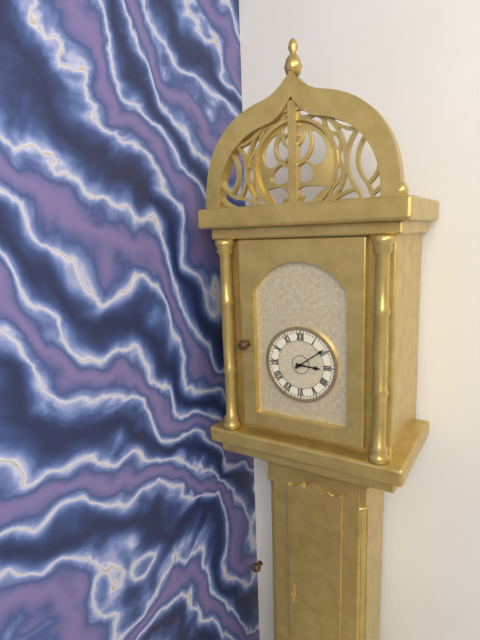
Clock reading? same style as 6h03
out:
3h09
